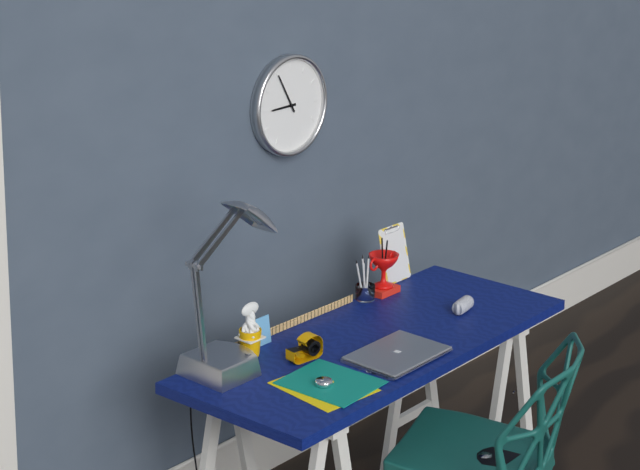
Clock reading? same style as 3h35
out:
8h55
